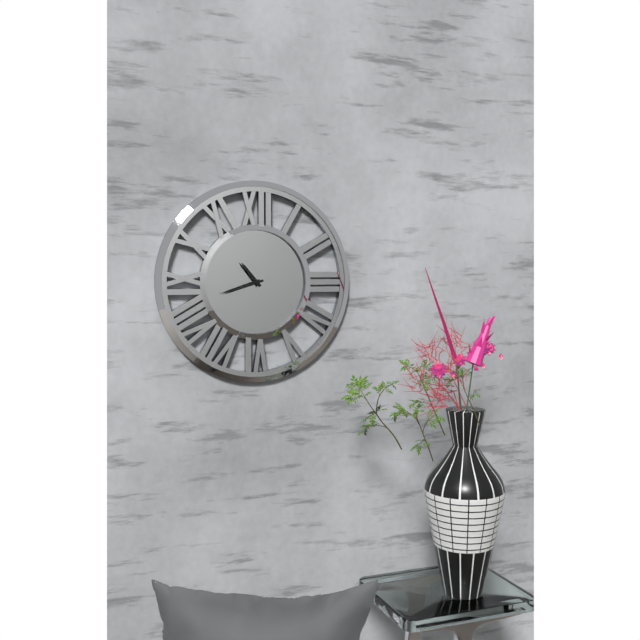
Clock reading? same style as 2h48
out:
10h42
